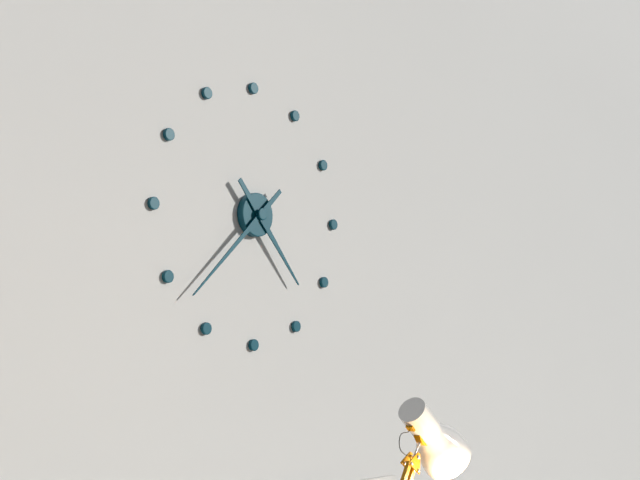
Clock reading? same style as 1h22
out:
4h38
